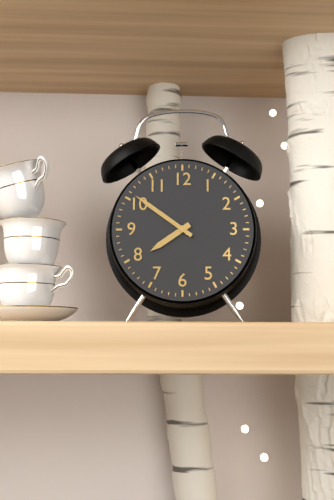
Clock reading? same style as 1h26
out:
7h51
